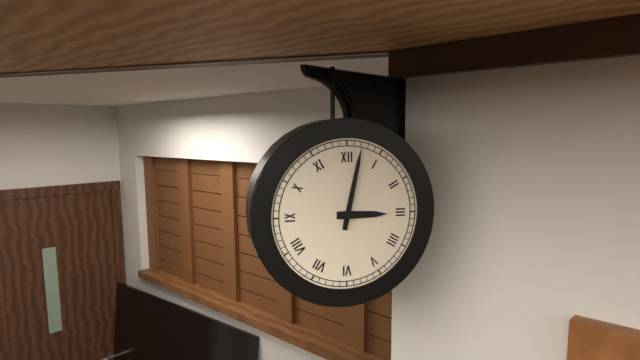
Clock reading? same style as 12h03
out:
3h02
